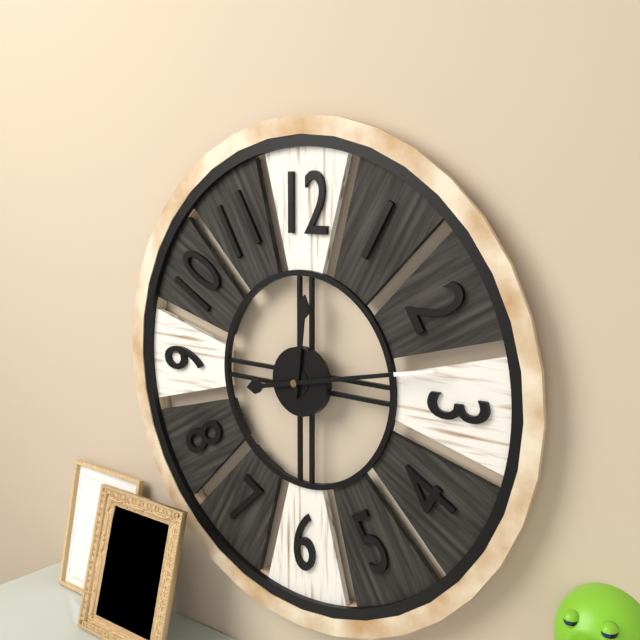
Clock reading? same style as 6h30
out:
12h13
